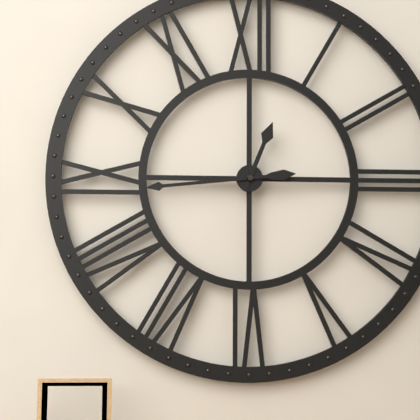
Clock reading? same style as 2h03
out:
12h44
